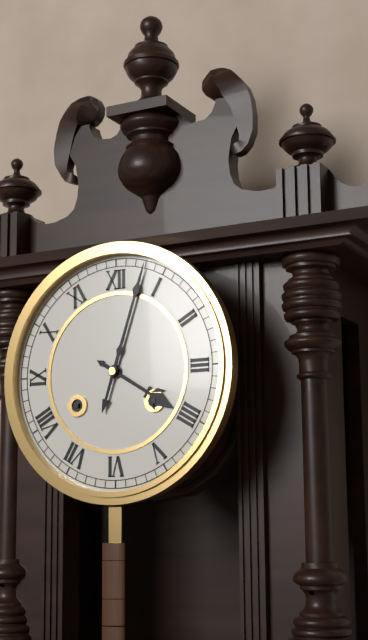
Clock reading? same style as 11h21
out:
4h03
